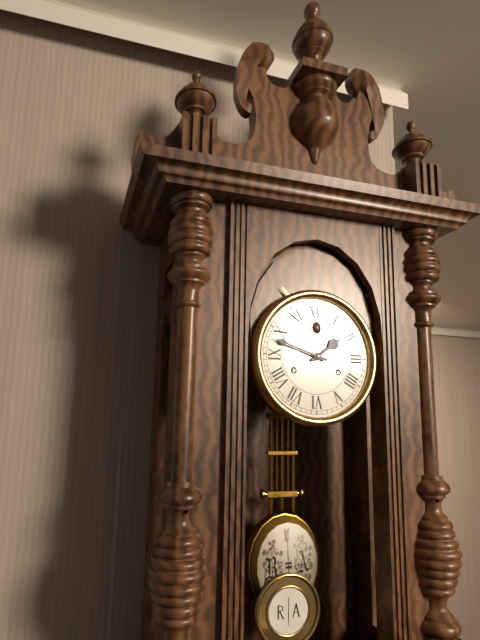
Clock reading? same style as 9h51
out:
1h48
